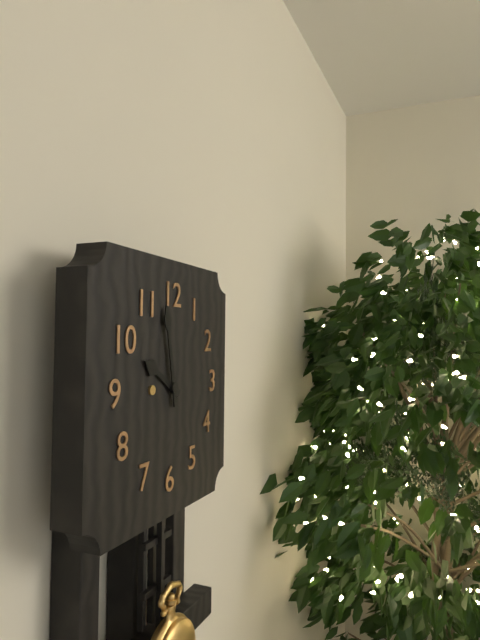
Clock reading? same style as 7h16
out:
9h58
